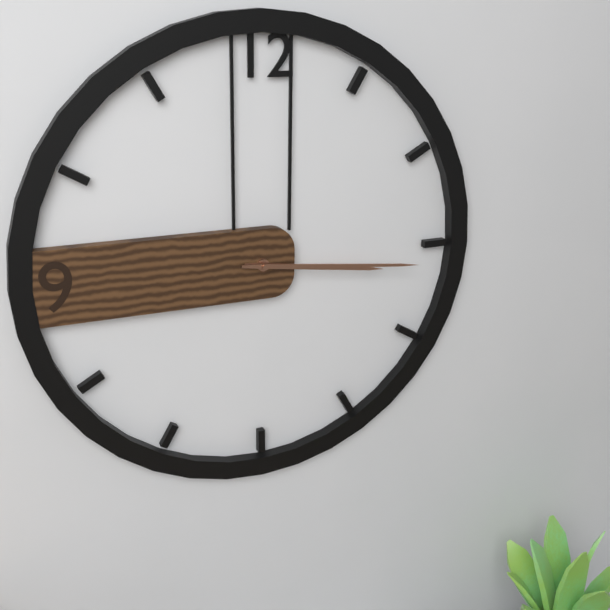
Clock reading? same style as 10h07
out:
3h16
